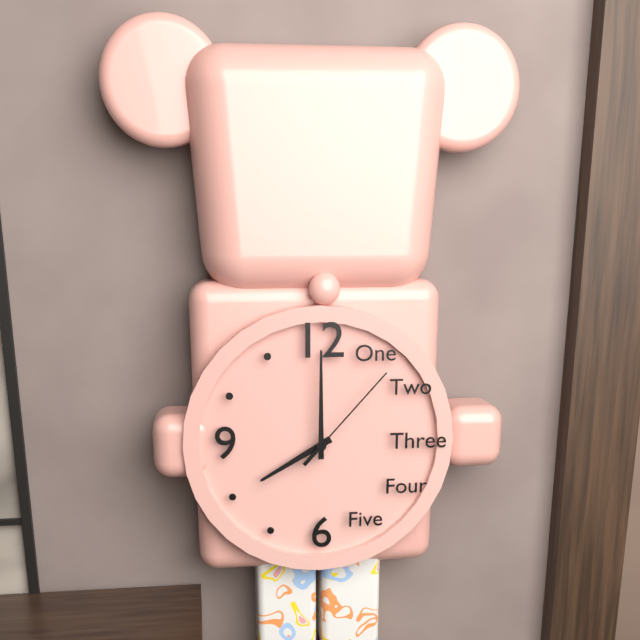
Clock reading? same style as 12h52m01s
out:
8h00m07s
